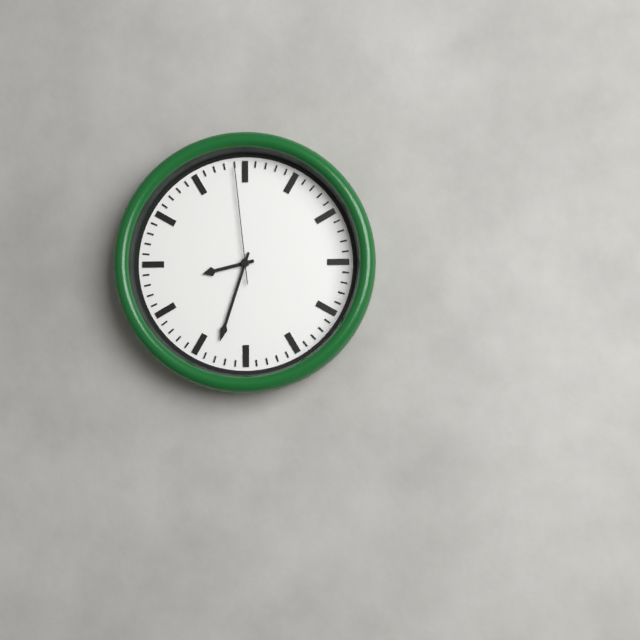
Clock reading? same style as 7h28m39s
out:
8h33m59s
